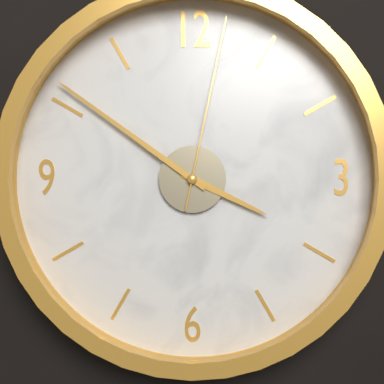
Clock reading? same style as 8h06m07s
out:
3h51m02s
